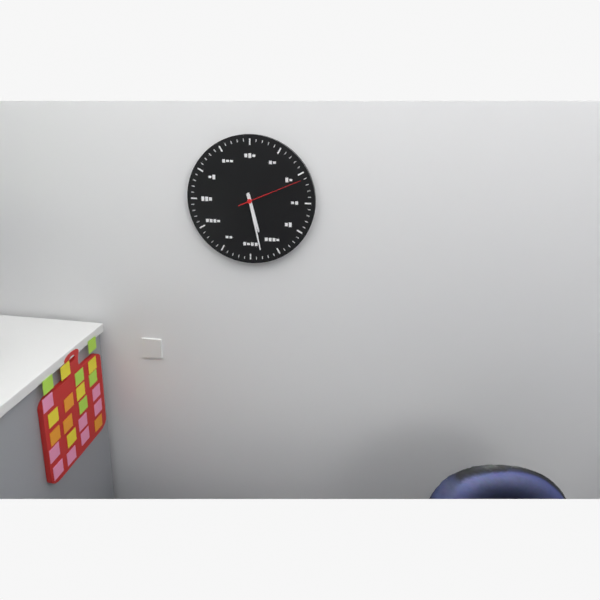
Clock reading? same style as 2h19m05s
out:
5h28m11s
